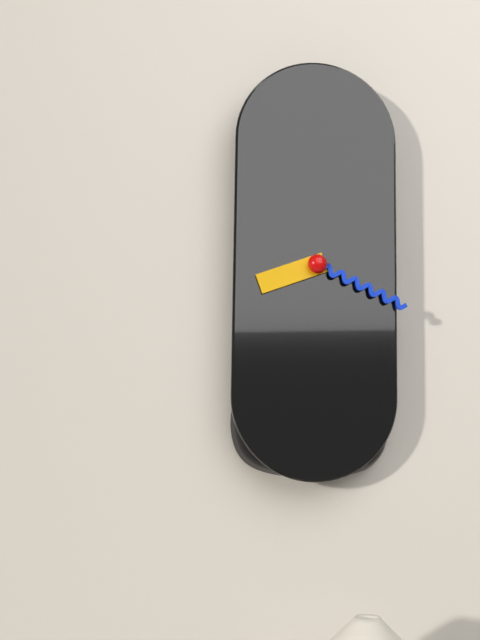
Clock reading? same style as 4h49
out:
8h19
